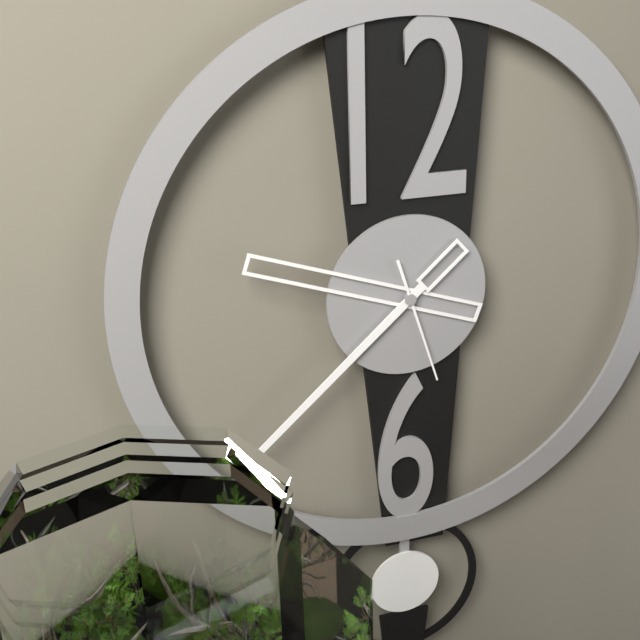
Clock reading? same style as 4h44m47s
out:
9h38m27s
